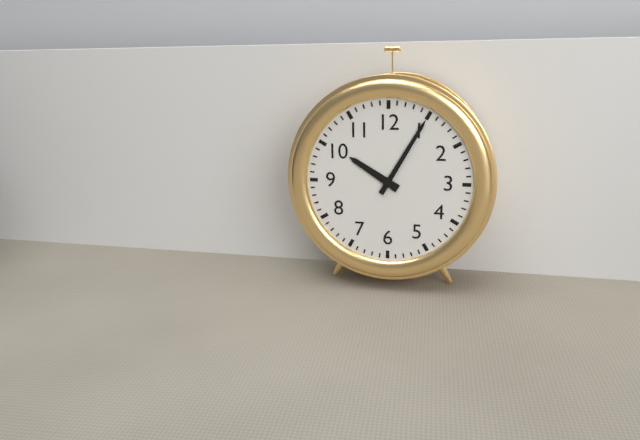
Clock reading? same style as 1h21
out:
10h05
